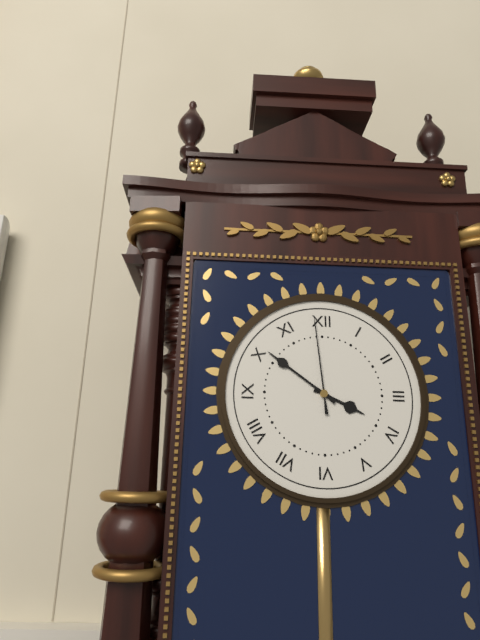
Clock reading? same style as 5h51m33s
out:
3h51m59s
